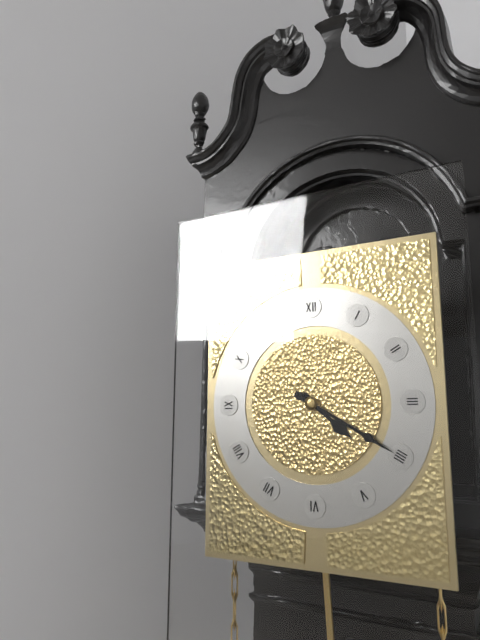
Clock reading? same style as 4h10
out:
4h20
